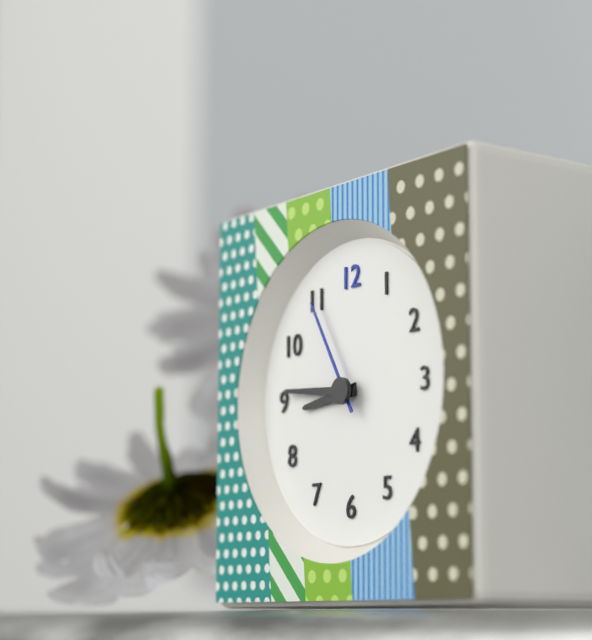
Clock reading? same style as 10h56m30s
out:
8h46m55s
